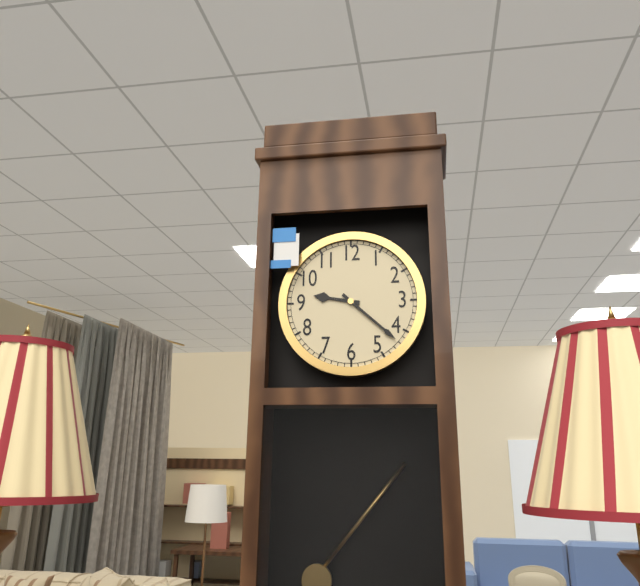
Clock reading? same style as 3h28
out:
9h22
